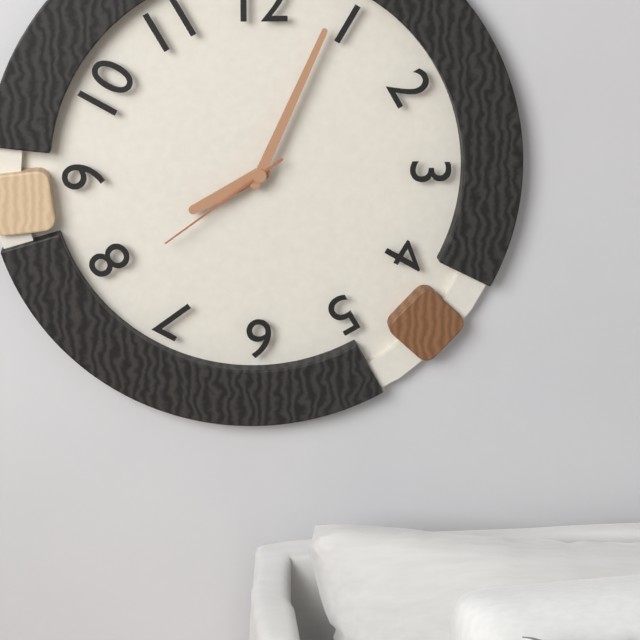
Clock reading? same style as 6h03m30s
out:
8h04m39s
